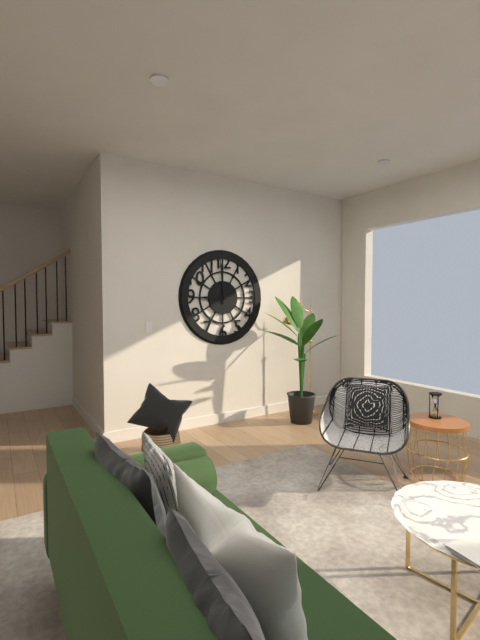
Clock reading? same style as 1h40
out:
8h59
